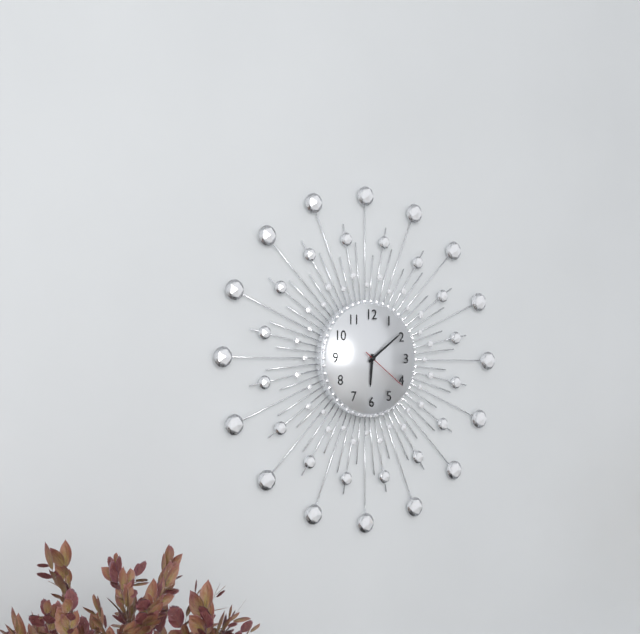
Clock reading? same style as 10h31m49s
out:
6h09m21s
